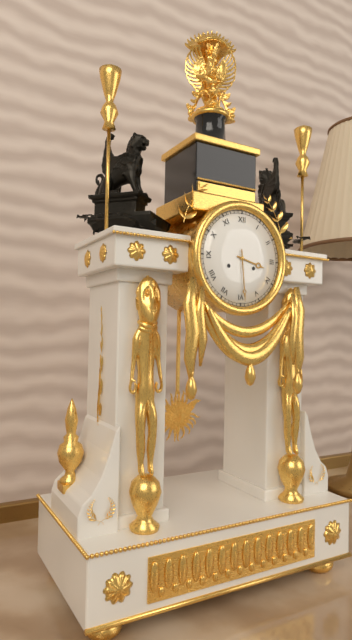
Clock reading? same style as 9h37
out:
3h29
